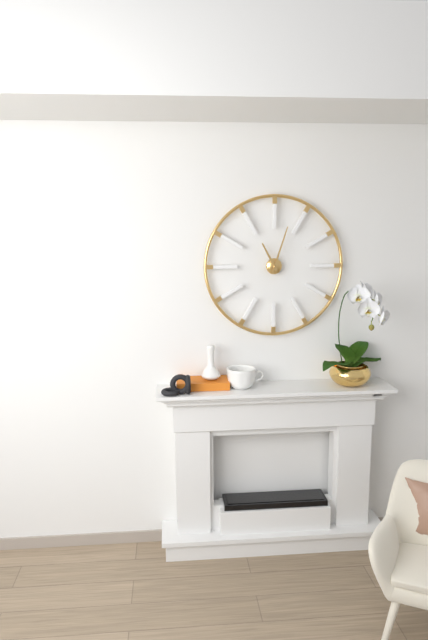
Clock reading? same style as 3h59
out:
11h03
